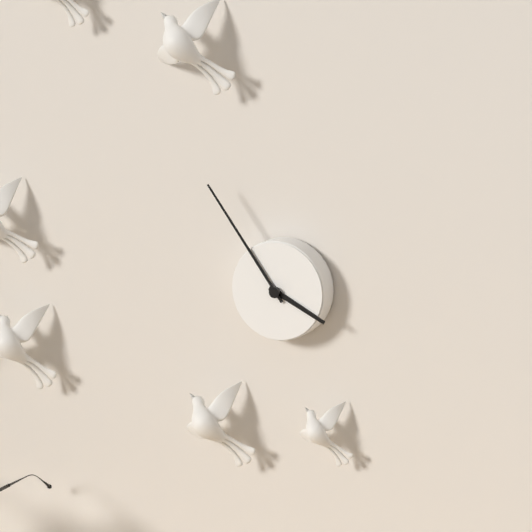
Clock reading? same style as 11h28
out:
3h54
